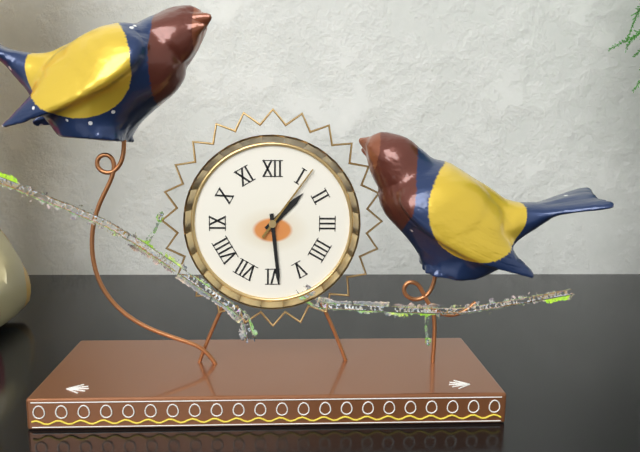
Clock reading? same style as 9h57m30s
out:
1h29m06s
